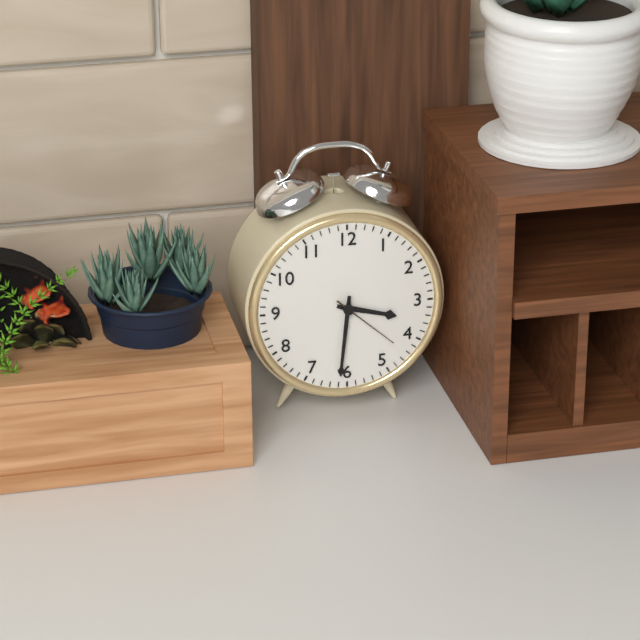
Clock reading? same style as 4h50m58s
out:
3h31m22s
